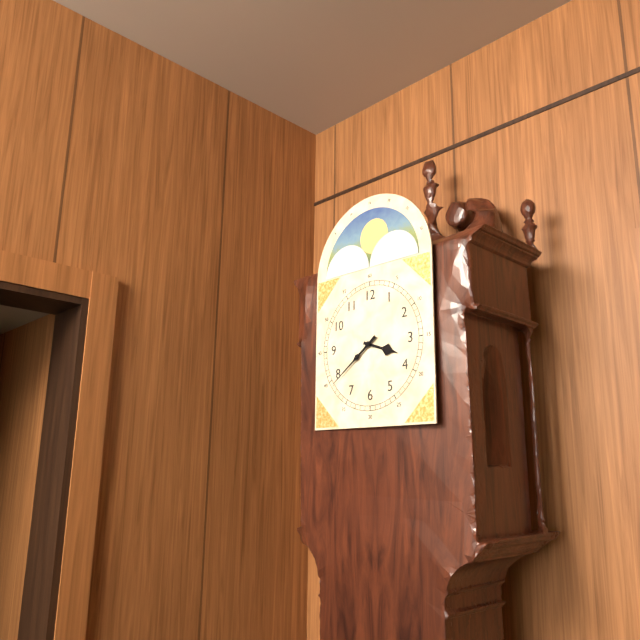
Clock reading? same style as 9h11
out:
3h39
